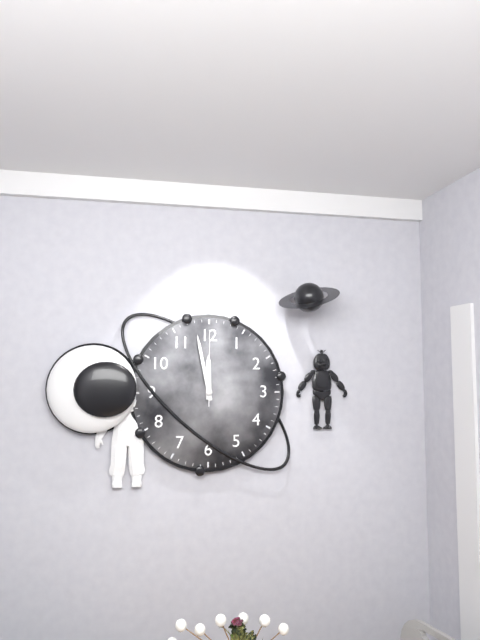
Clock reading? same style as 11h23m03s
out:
11h58m00s
